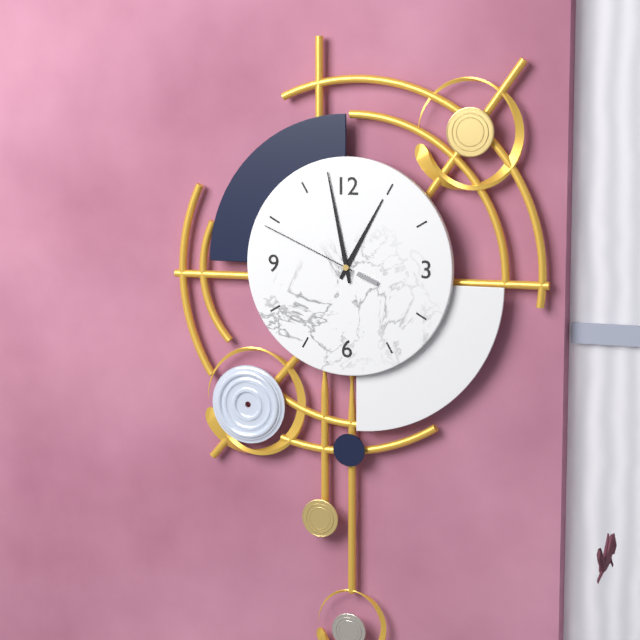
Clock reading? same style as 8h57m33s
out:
12h58m49s
